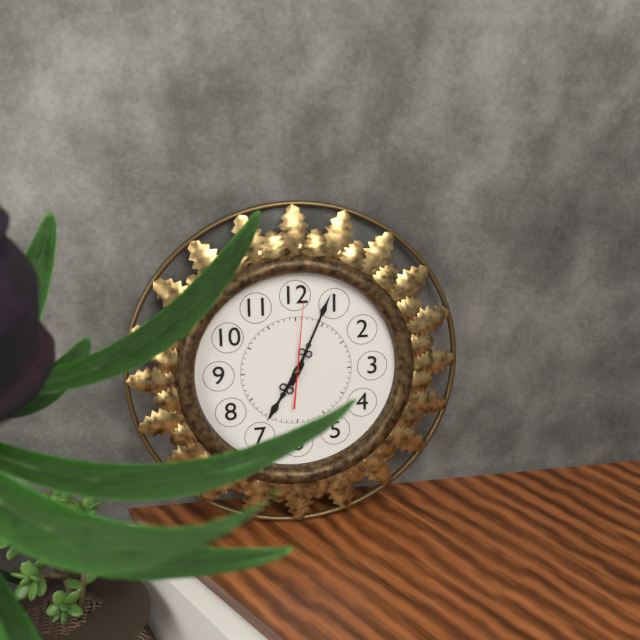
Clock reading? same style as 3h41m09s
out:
7h04m01s
